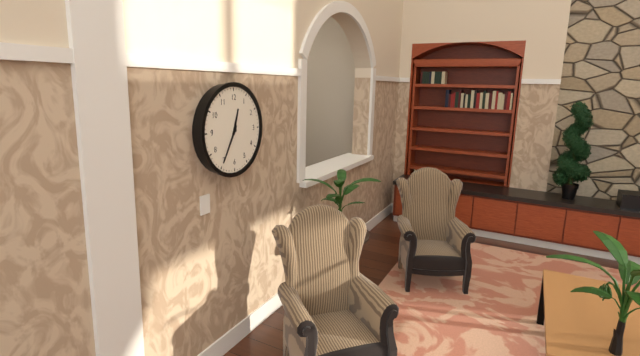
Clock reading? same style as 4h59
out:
12h35
